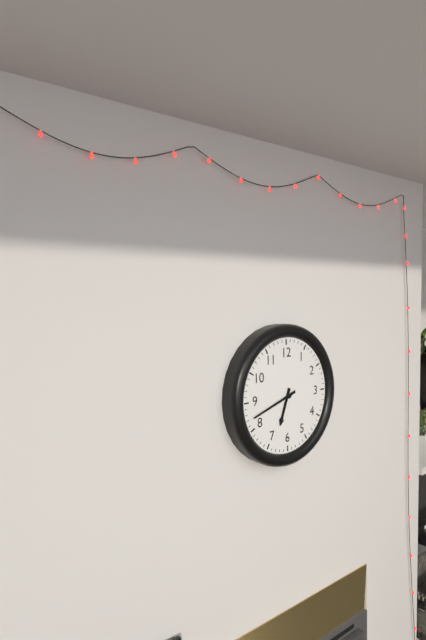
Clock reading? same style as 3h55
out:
6h42
